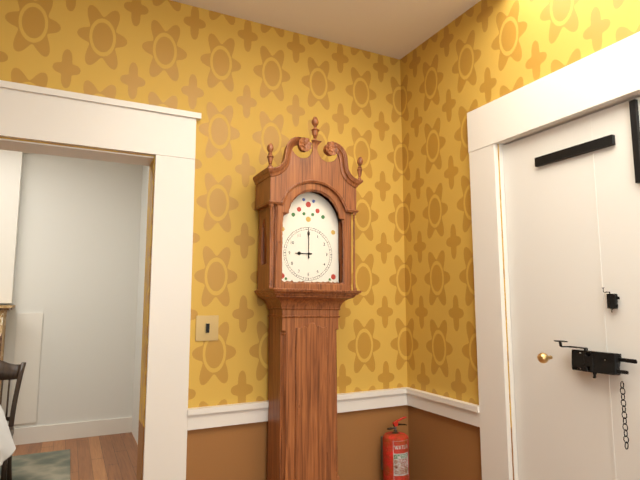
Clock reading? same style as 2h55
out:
9h00
